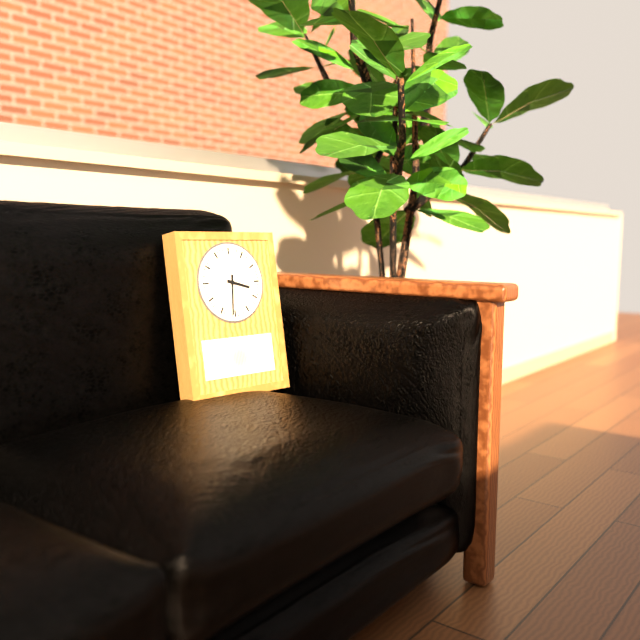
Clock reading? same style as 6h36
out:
3h31
